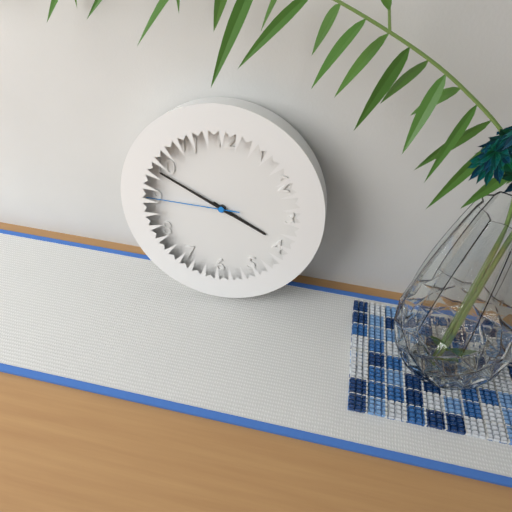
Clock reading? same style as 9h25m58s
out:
3h49m45s
